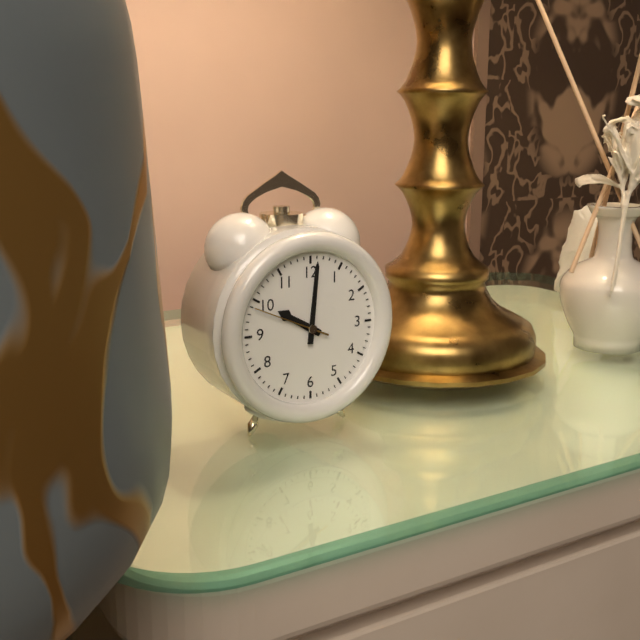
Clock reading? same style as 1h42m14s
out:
10h01m49s
